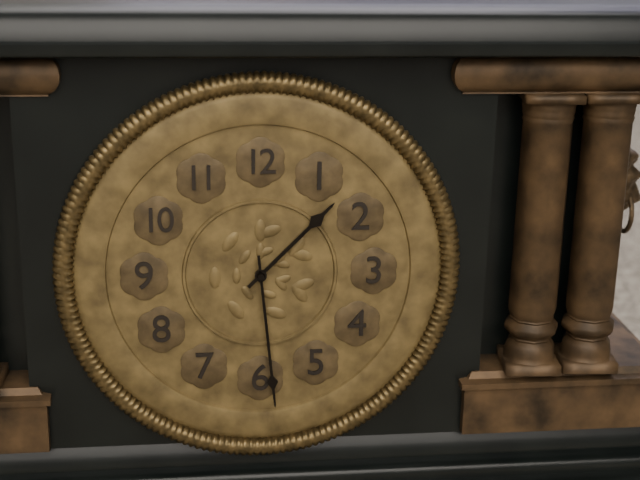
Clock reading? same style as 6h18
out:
1h29
